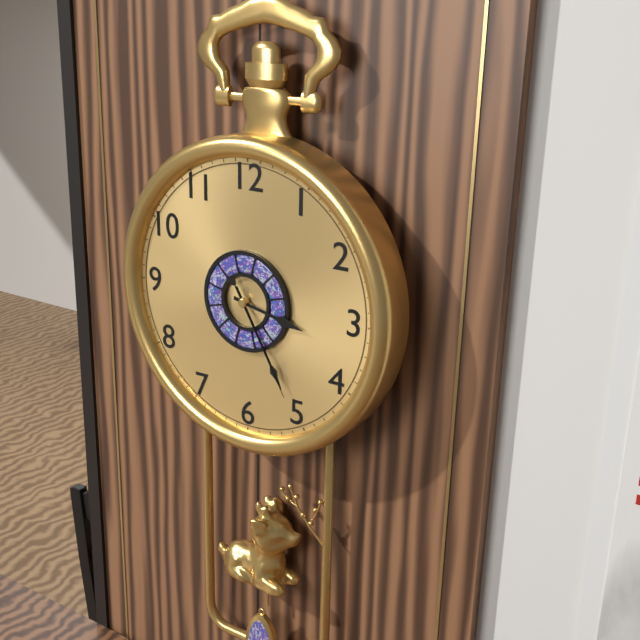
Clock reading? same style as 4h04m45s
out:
3h25m25s
